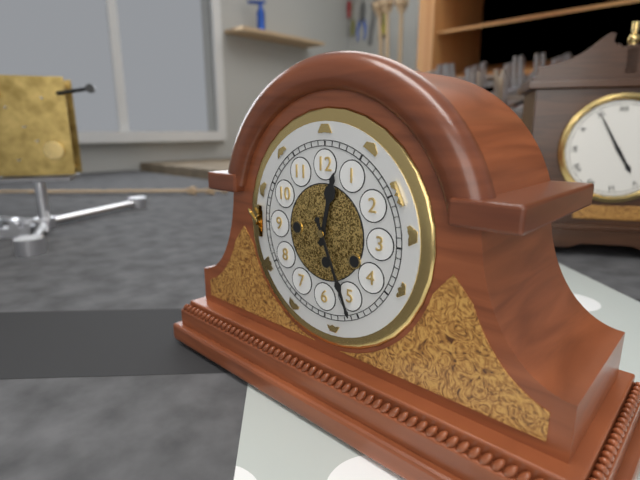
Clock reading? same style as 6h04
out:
12h26
